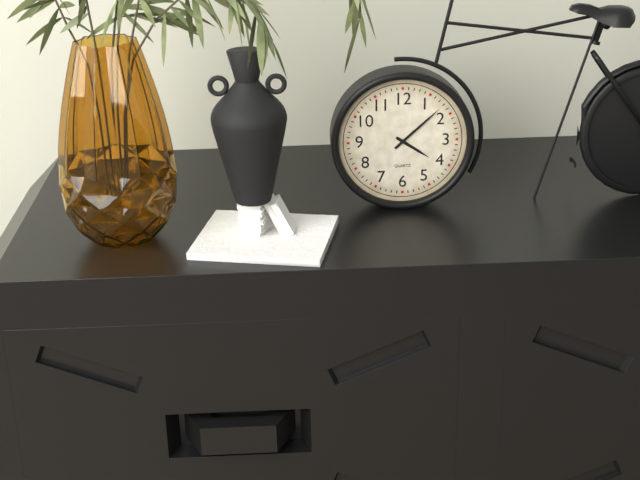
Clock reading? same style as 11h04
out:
4h08
